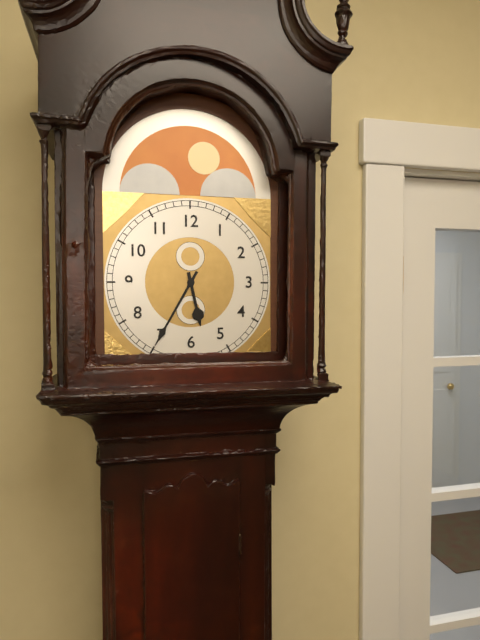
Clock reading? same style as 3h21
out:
5h35
